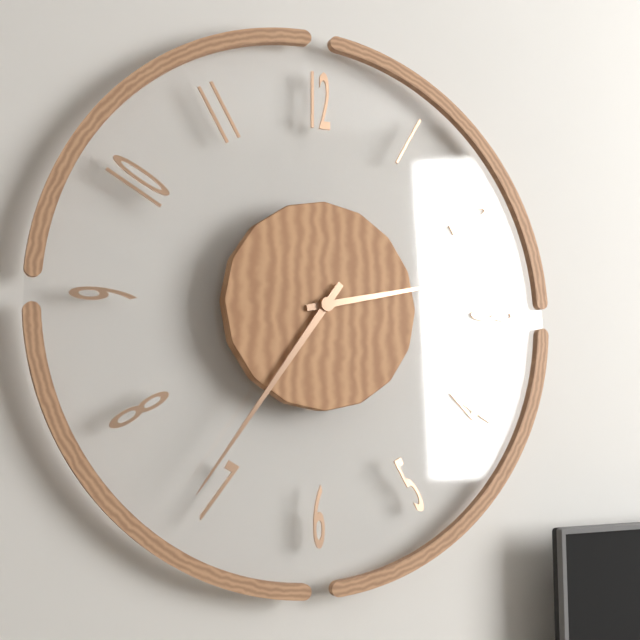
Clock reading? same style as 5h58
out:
2h36
